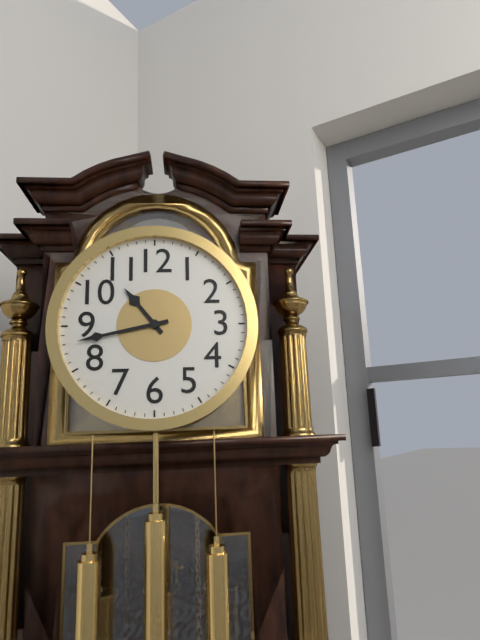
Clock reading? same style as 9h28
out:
10h43
